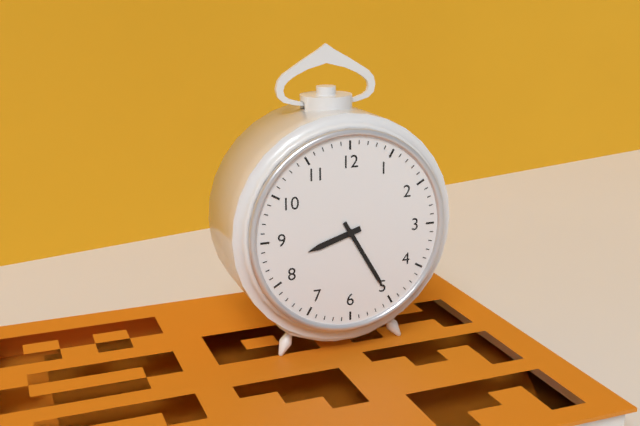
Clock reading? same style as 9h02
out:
8h25
